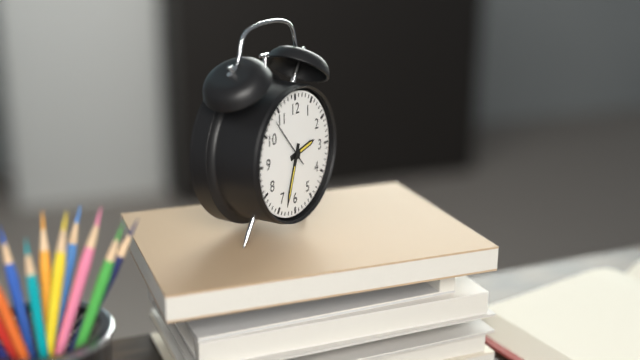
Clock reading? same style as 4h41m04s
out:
2h33m53s
